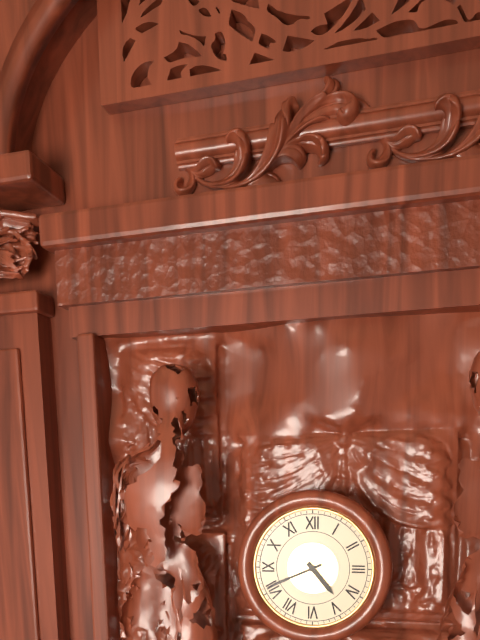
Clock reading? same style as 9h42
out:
4h41
